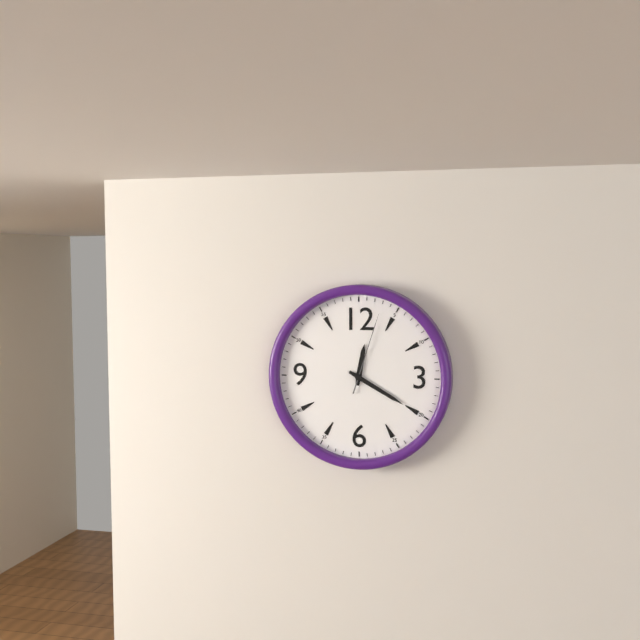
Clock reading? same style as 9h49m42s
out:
12h20m03s
